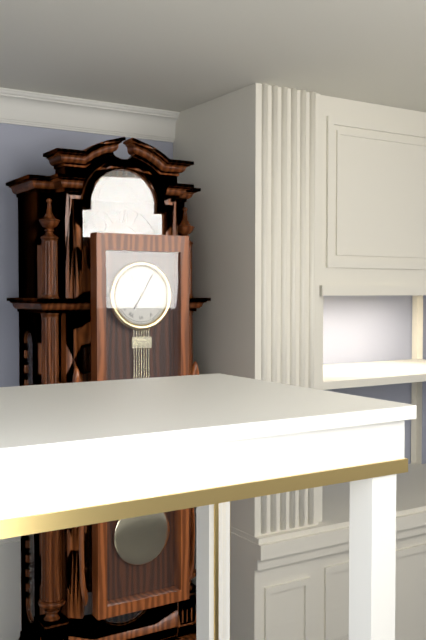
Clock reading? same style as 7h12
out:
7h05
